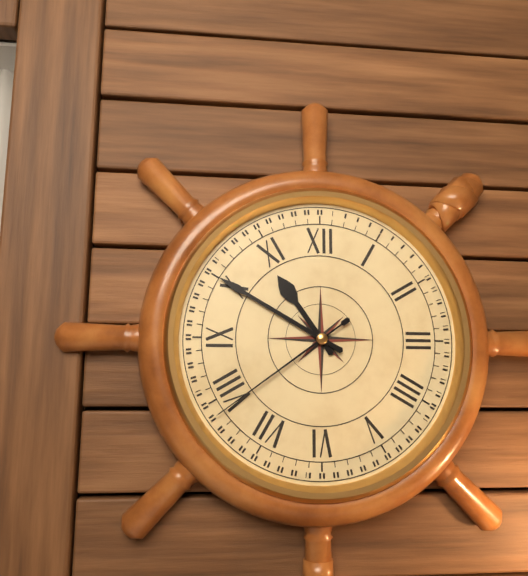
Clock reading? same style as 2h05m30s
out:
10h50m39s
